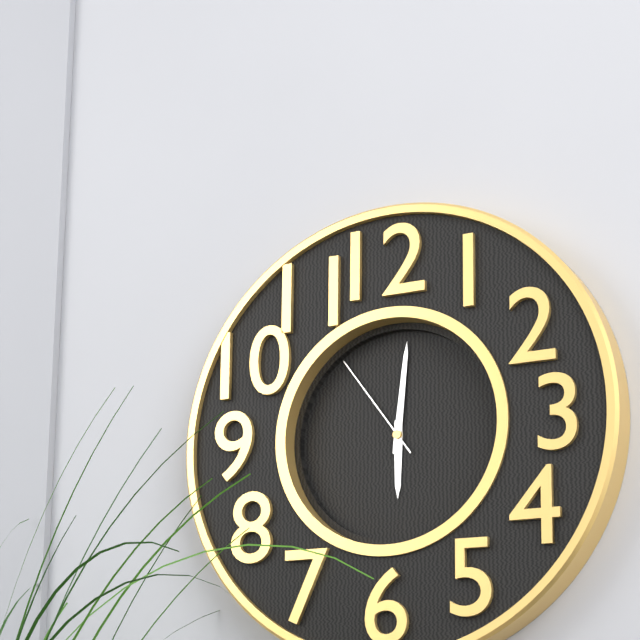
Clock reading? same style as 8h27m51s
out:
6h01m54s
